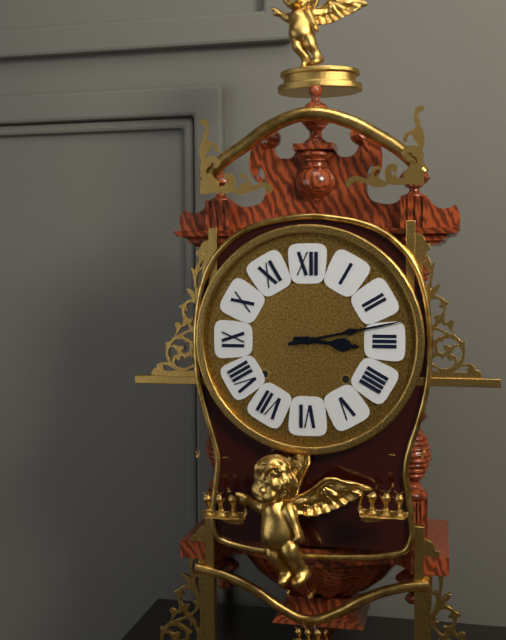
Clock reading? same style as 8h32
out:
3h13
